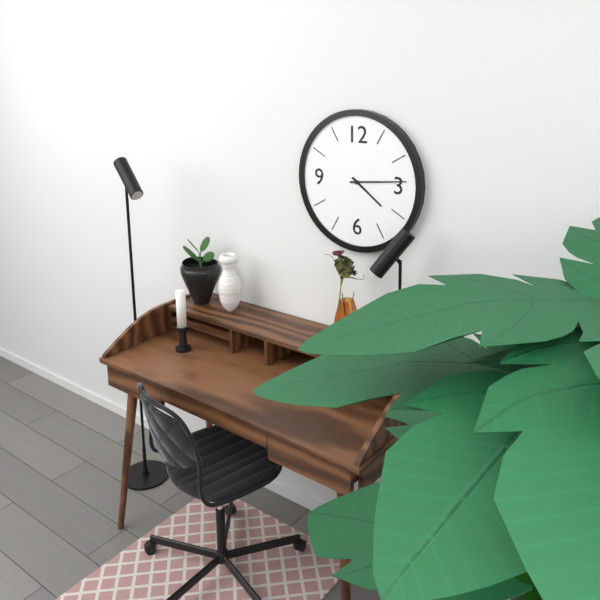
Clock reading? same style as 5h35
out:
4h14
